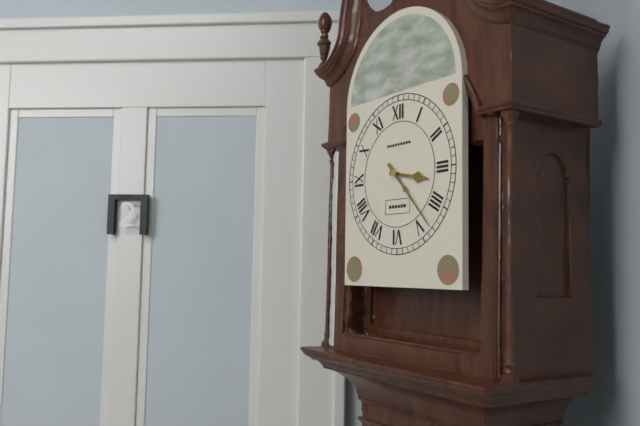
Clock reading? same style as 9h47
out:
3h23
